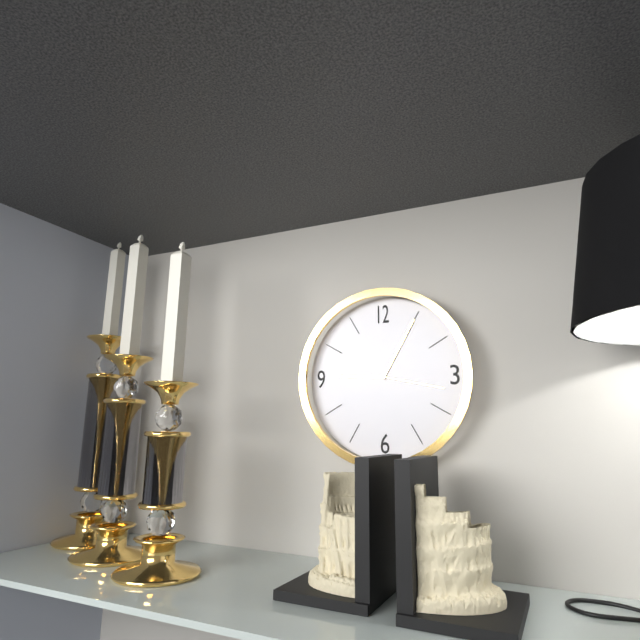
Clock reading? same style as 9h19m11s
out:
9h05m17s
